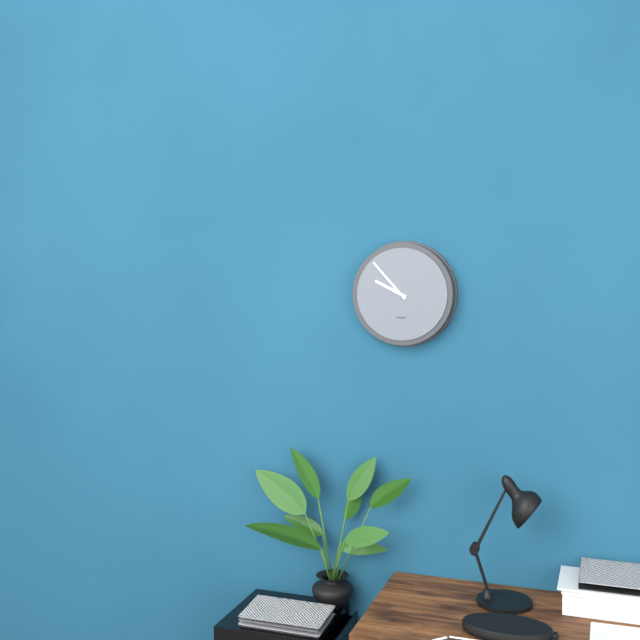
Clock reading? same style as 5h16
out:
9h53
